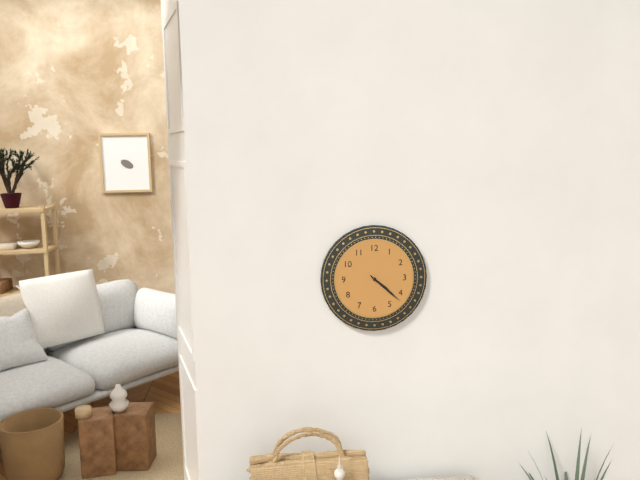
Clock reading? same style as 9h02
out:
4h22
